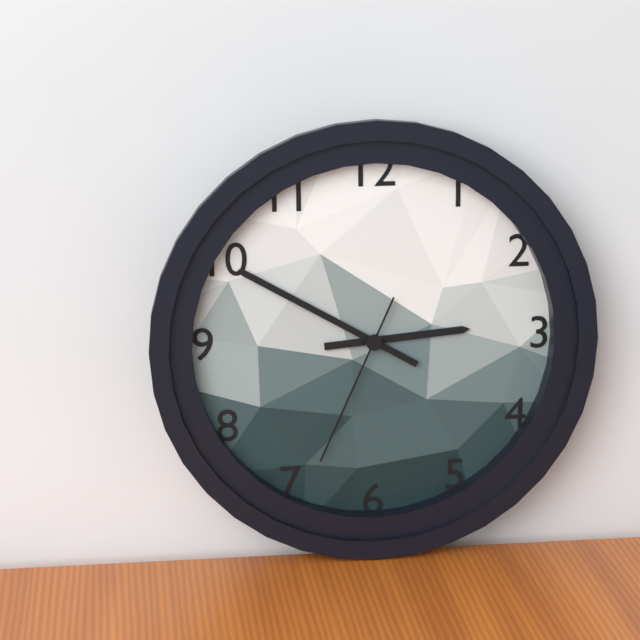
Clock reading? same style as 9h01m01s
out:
2h50m34s
